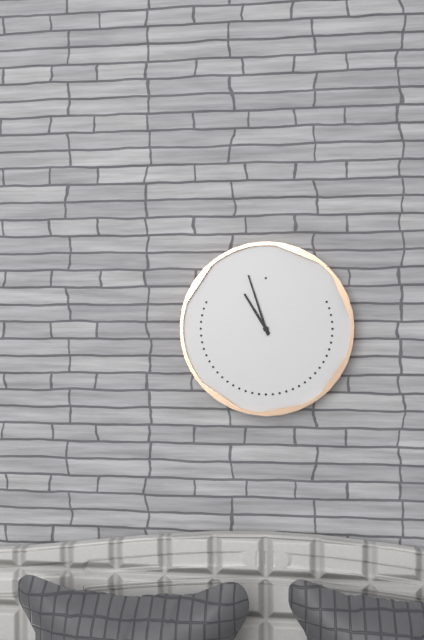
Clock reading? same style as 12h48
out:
10h57
